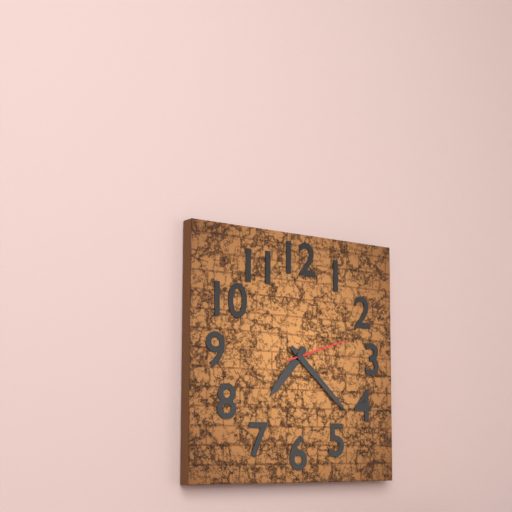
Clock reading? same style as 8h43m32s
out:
7h22m12s
